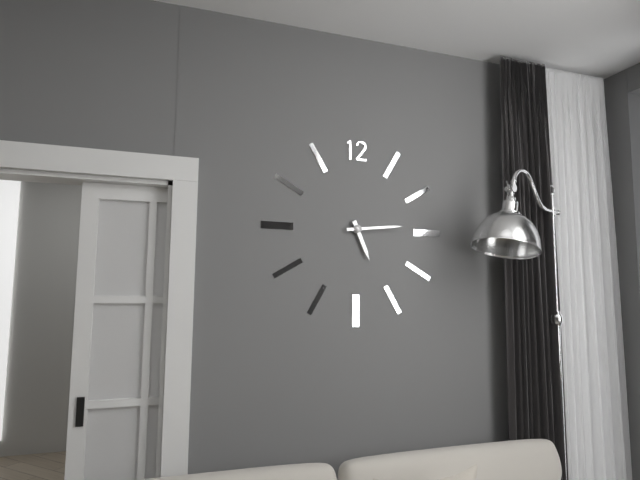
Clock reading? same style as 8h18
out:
5h14
